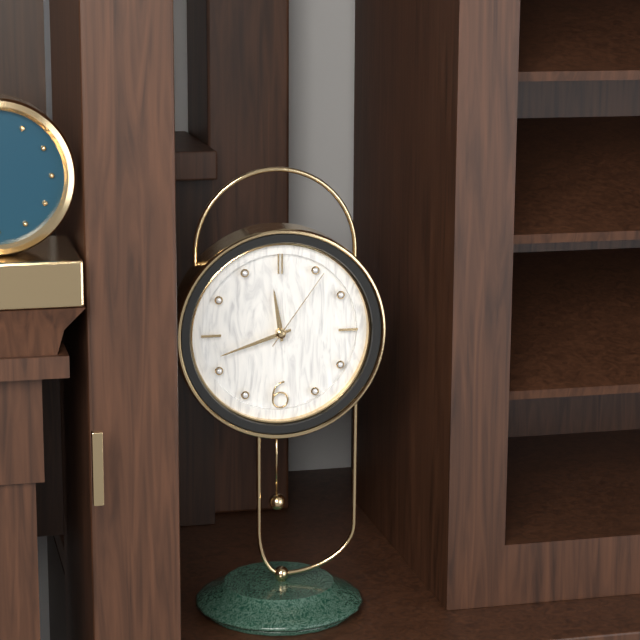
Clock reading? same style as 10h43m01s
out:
11h42m06s
